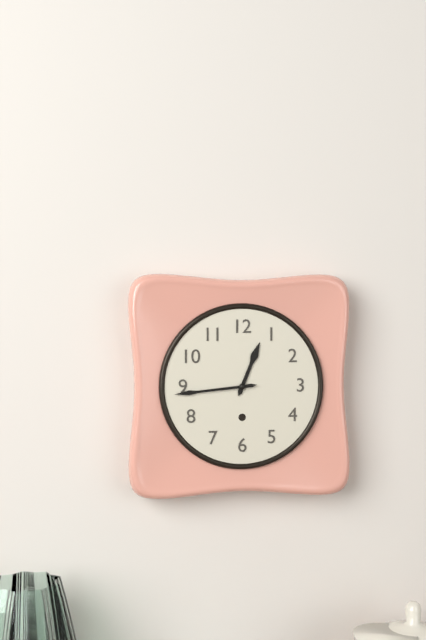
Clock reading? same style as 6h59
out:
12h44
